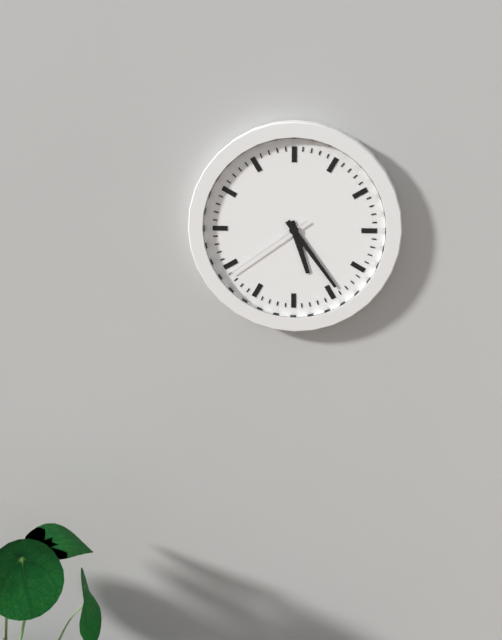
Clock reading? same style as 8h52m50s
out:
5h24m39s
